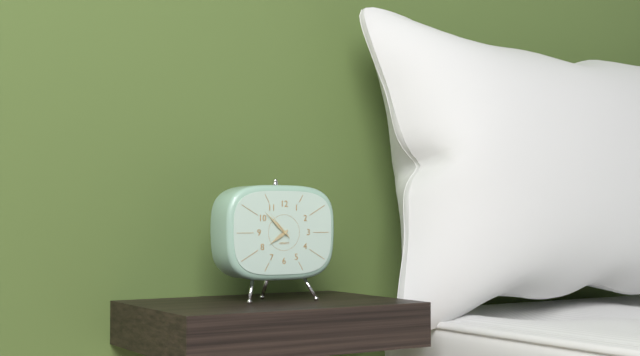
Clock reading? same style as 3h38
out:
7h52
